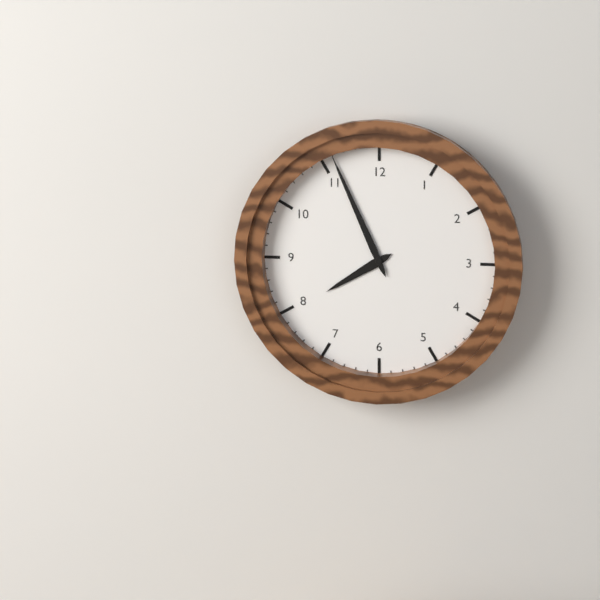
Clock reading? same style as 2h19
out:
7h56
